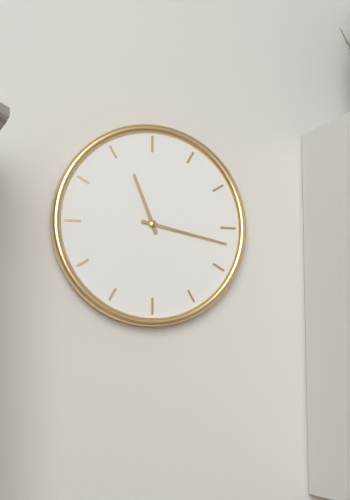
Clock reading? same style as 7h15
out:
11h17
